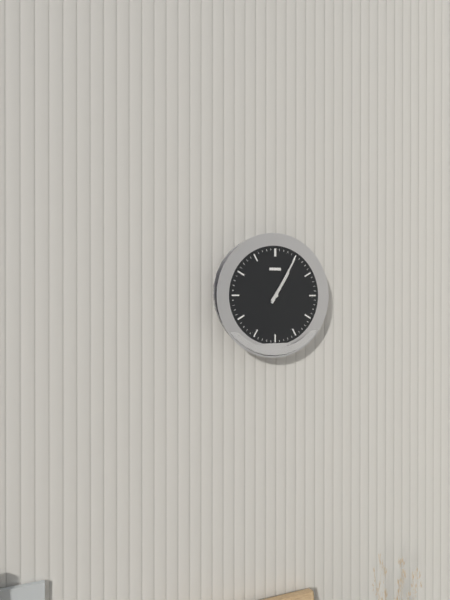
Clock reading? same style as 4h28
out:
1h05
